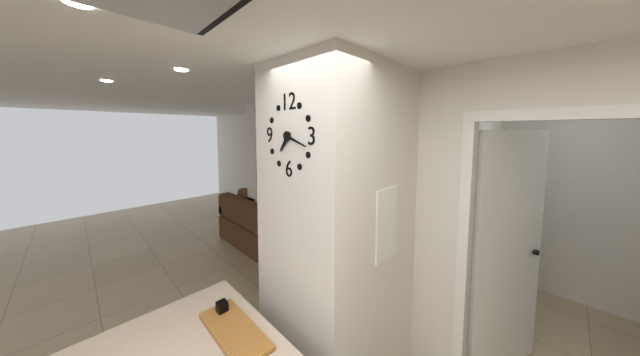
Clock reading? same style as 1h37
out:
7h18
